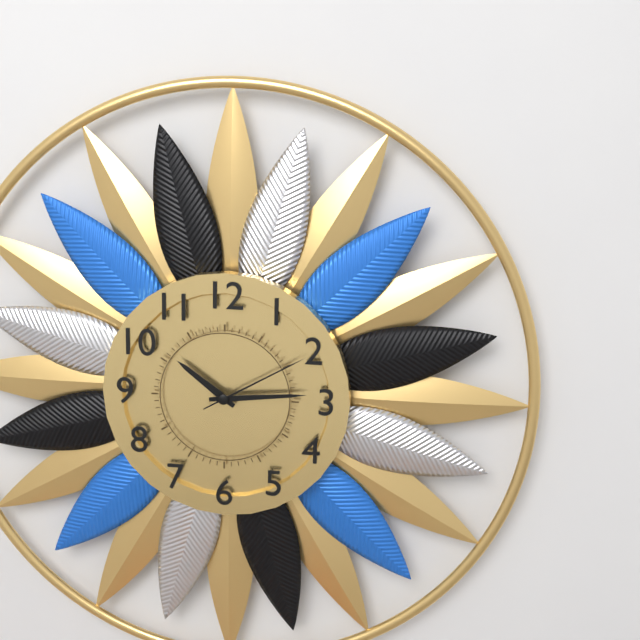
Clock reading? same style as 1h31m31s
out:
10h14m10s
